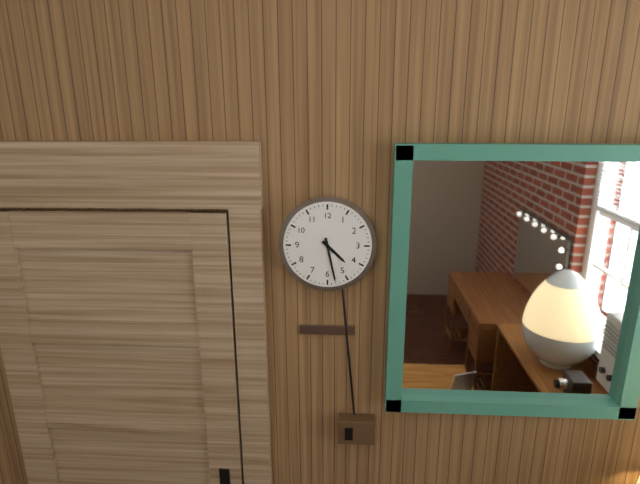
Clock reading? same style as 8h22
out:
4h28
